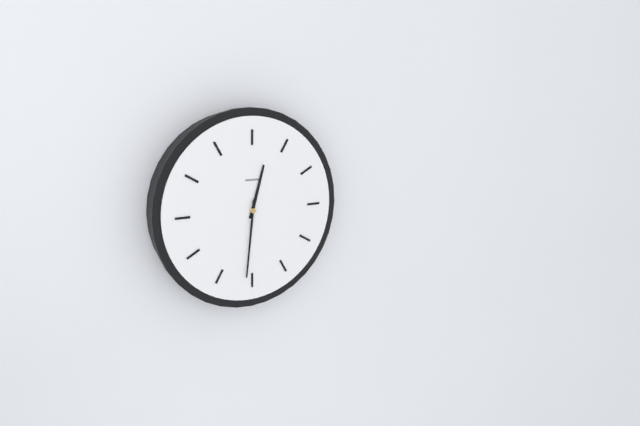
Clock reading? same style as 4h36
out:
12h31
